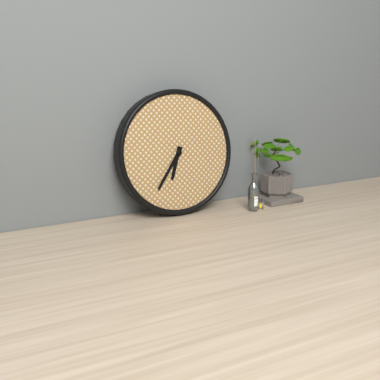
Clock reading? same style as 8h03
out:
6h36
